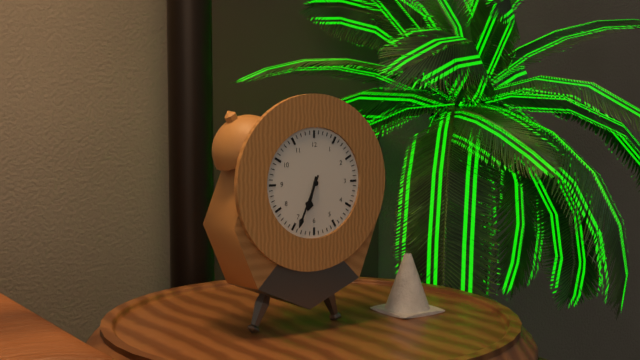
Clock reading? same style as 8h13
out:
6h34
